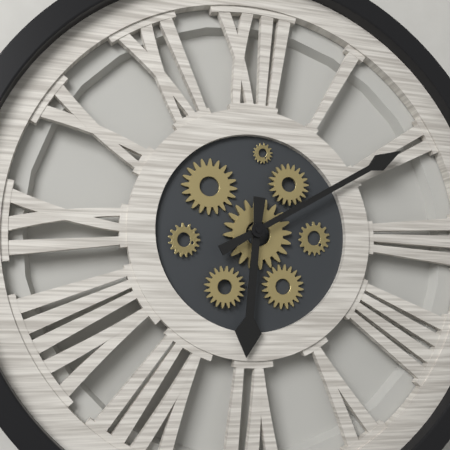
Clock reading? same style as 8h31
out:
6h10
